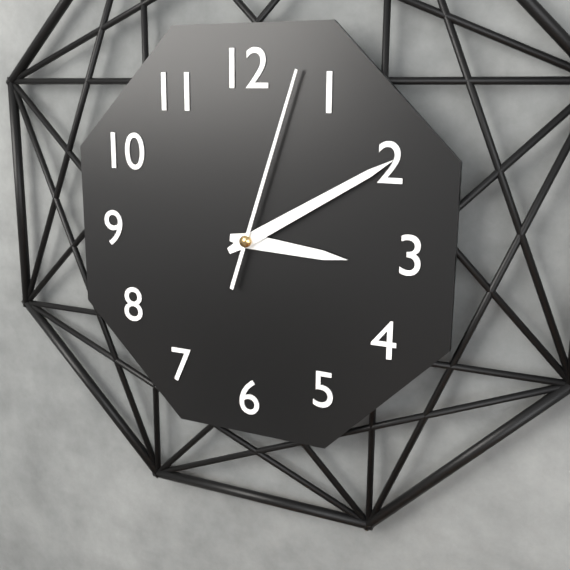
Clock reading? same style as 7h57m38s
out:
3h10m03s
